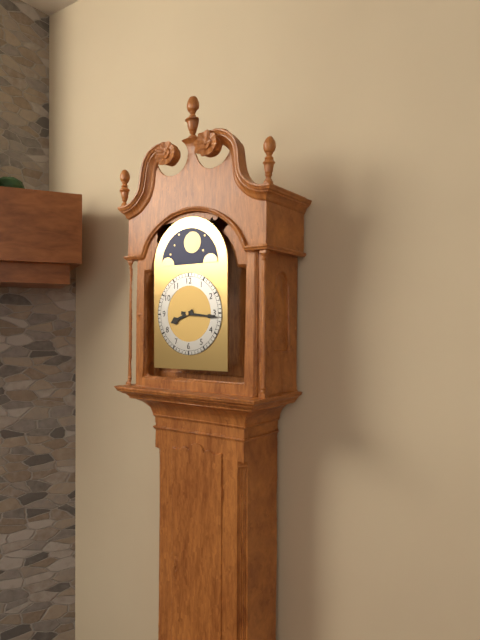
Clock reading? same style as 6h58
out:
8h16
